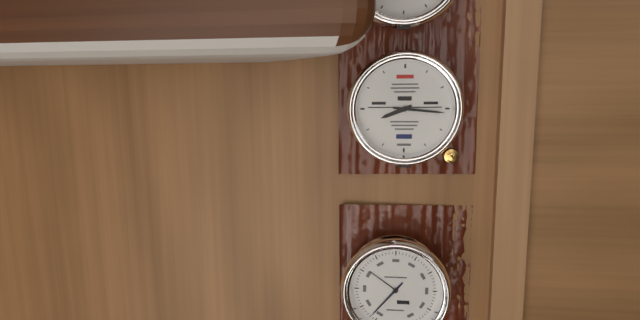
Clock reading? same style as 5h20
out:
8h16
